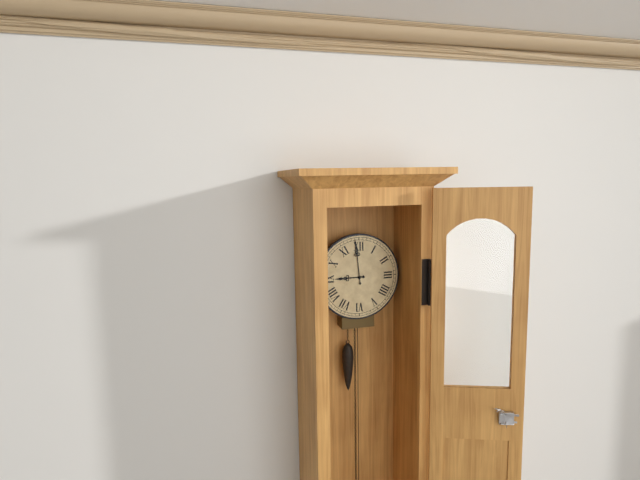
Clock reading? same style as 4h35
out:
8h59
